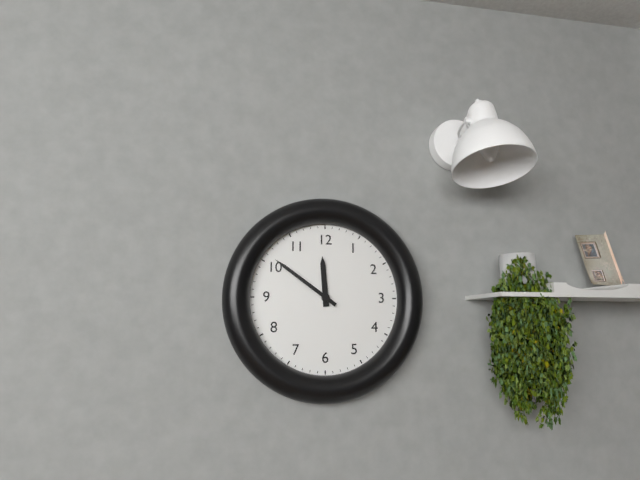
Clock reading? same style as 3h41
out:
11h51
